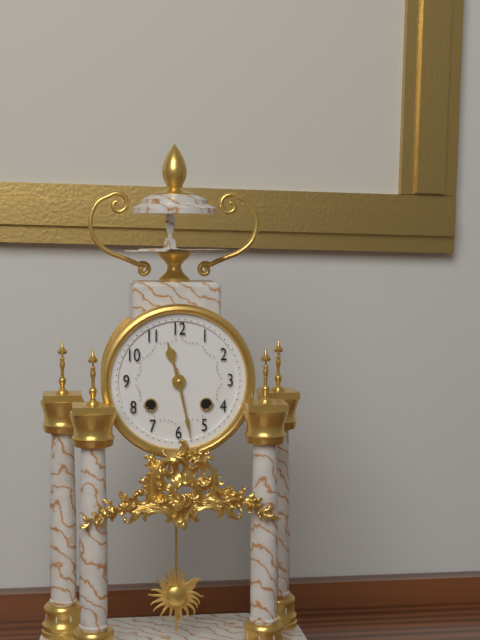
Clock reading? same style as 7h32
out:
11h28
